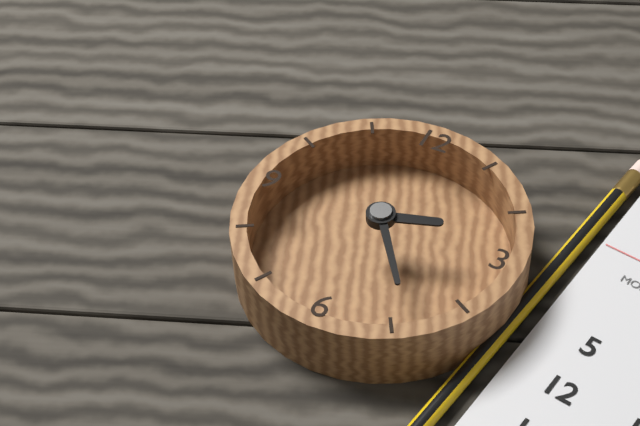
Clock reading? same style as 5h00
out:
2h24
